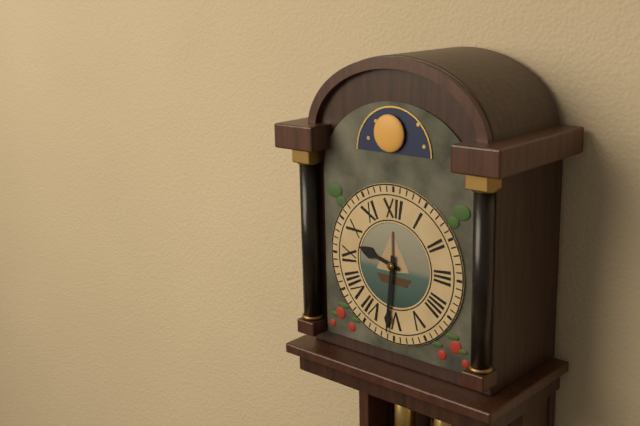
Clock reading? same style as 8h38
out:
9h31
